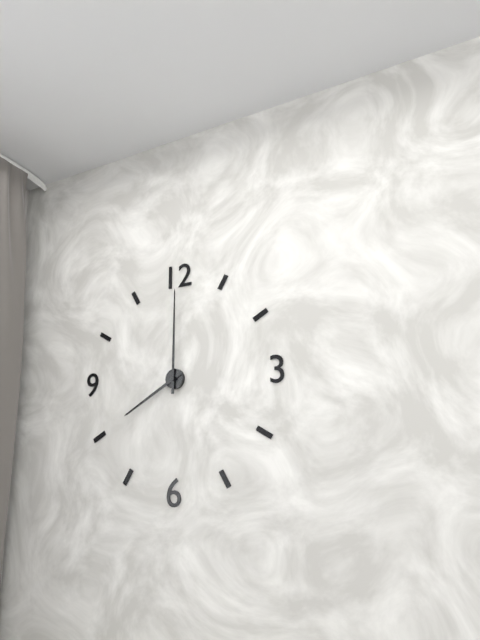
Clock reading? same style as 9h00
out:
8h00
